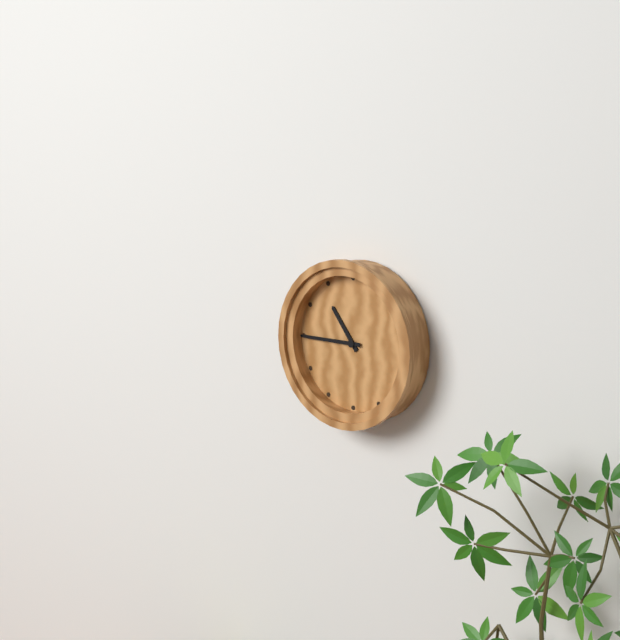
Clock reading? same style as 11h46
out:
10h45
